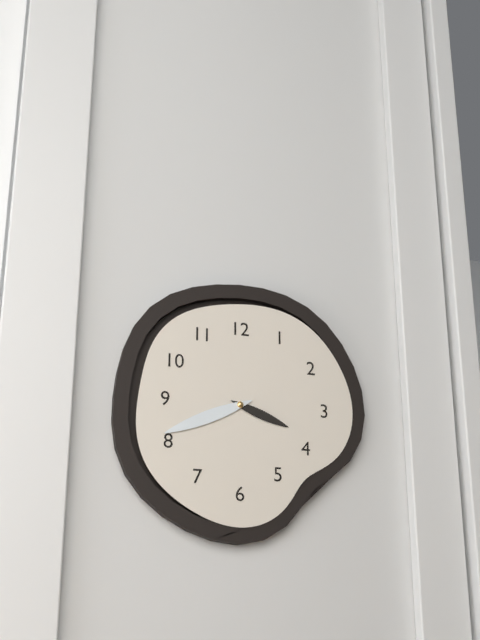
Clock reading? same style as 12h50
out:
3h41
